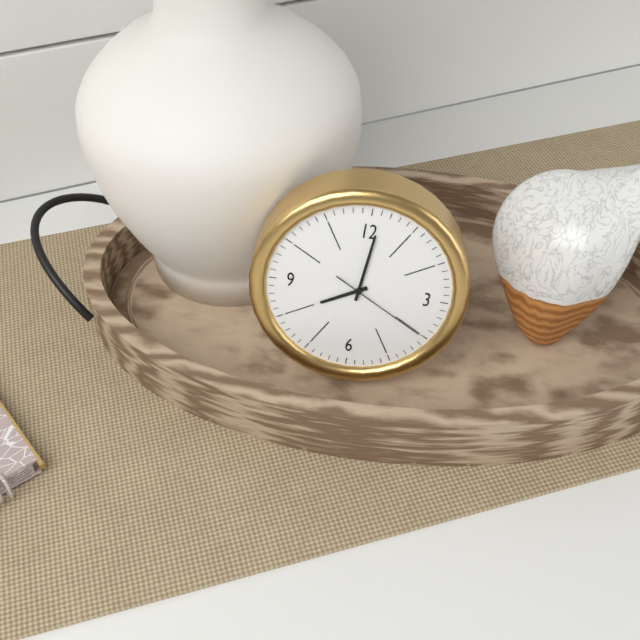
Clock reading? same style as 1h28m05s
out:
8h01m20s
